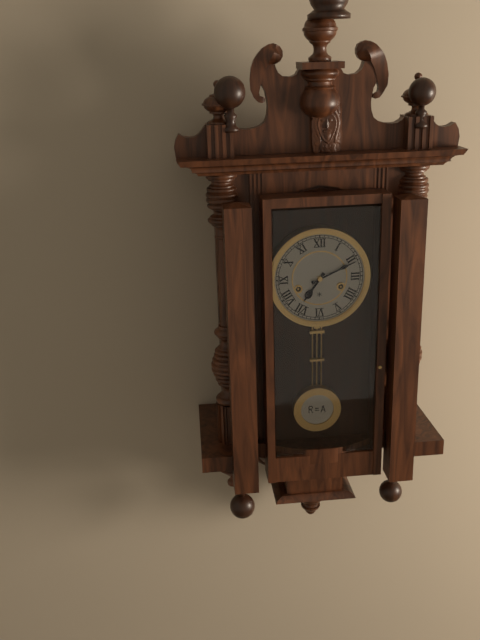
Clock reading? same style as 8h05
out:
7h11
